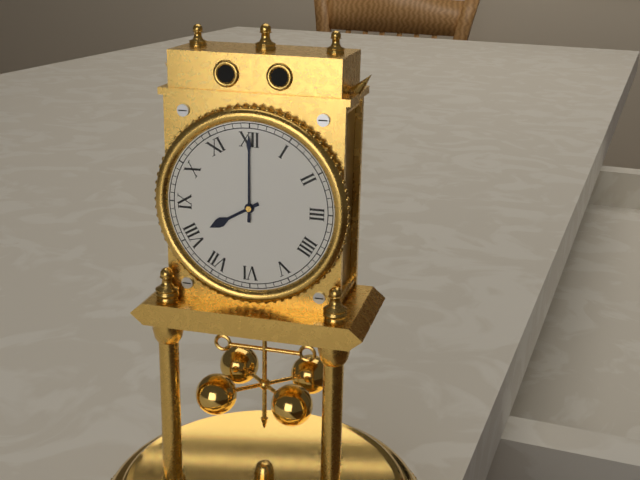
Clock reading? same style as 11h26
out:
8h00
